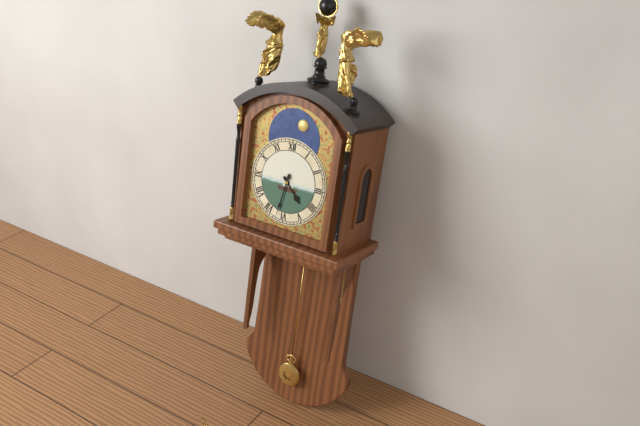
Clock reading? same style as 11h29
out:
4h32
